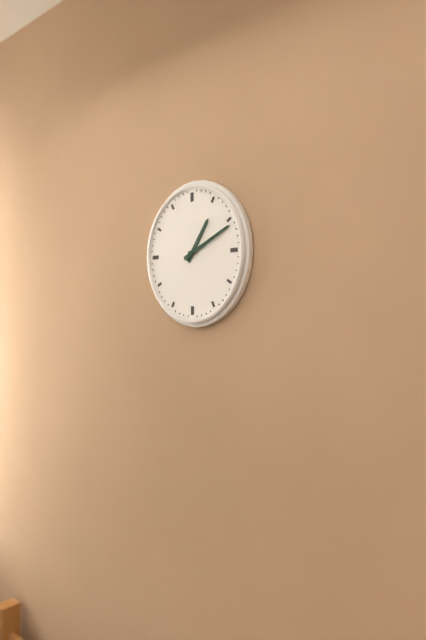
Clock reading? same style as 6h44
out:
1h11
